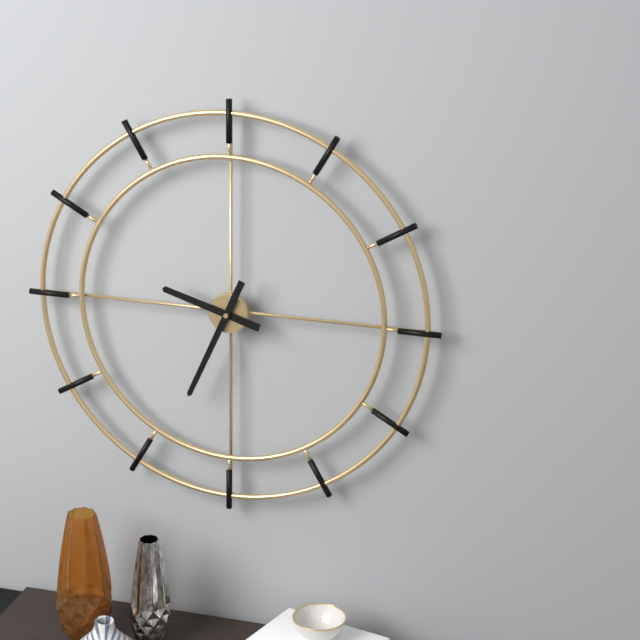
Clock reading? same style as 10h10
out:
9h34
